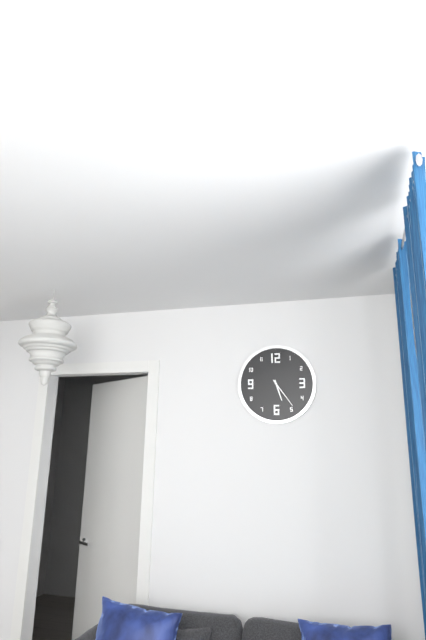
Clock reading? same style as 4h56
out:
5h24
